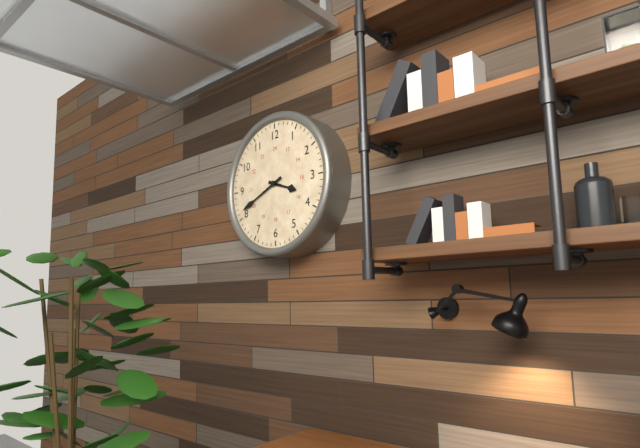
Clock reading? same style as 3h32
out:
3h41
